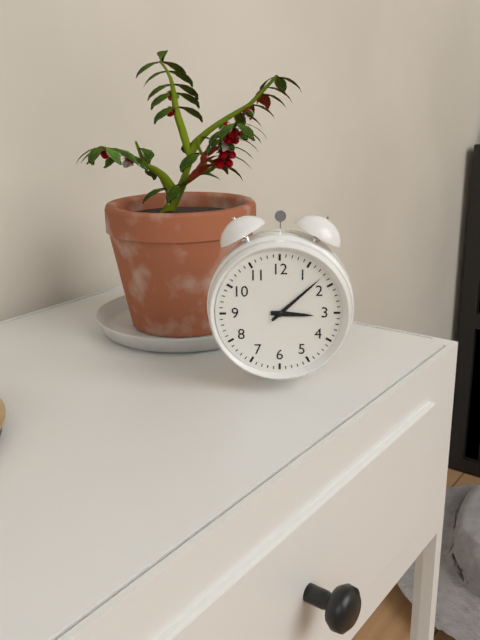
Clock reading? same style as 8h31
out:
3h08
